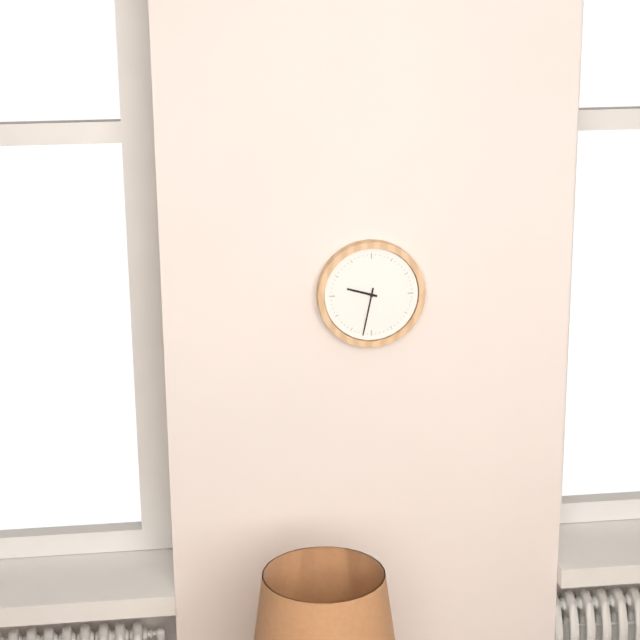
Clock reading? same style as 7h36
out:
9h32
